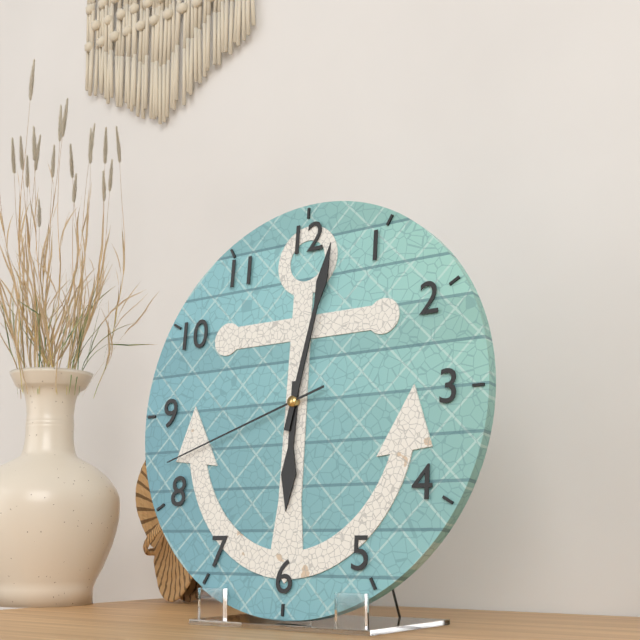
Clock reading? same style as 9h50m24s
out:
6h02m42s
